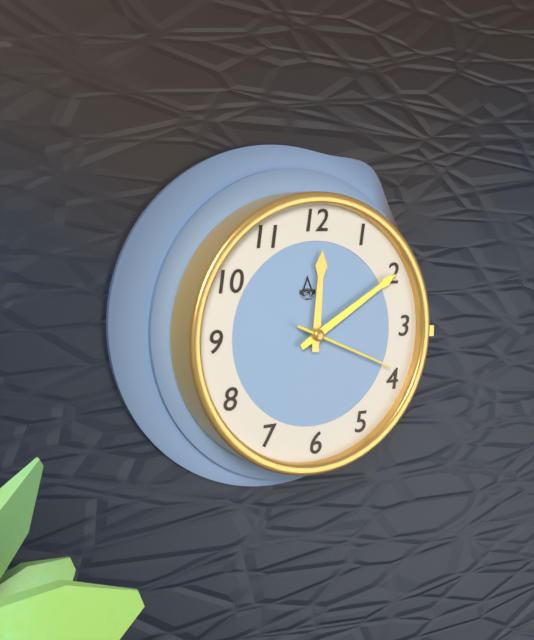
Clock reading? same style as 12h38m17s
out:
12h10m19s
